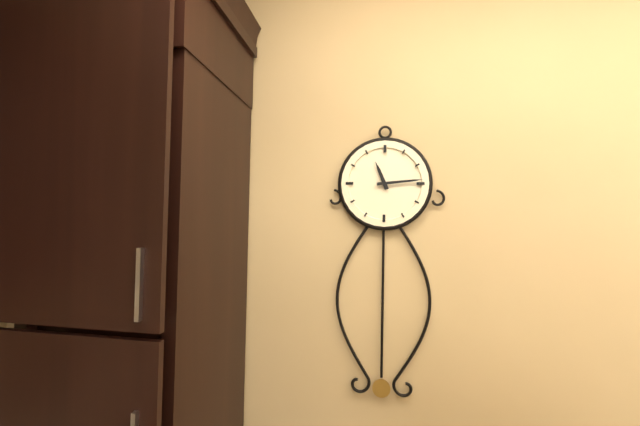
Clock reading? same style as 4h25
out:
11h14
